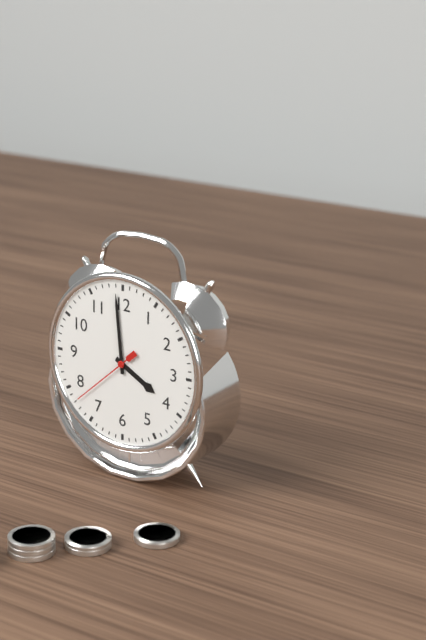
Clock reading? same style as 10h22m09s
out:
3h59m38s
